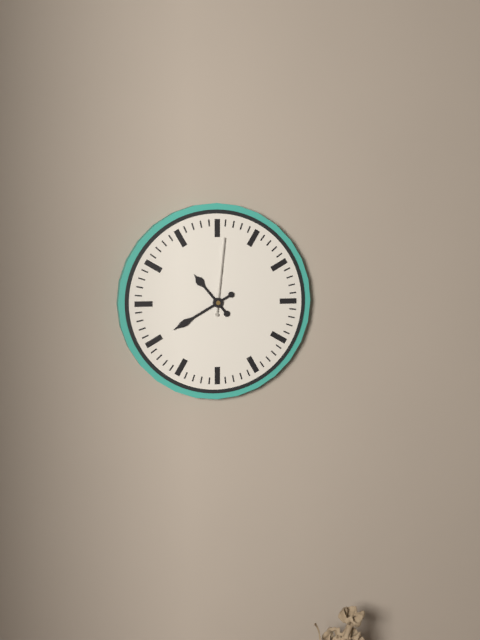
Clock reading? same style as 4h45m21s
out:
10h40m01s
